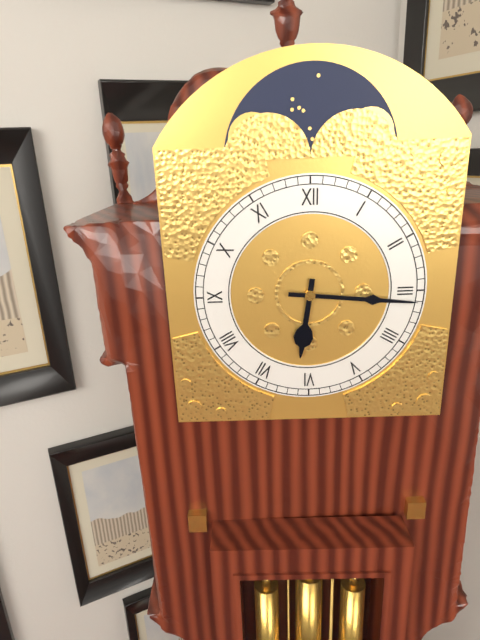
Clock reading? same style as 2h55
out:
6h16
